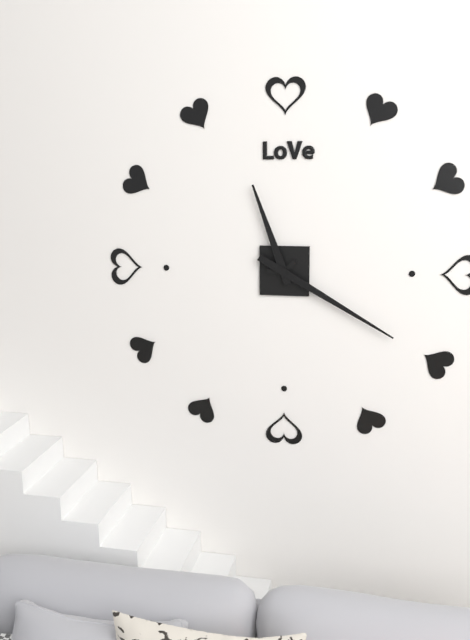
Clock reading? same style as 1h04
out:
11h20
